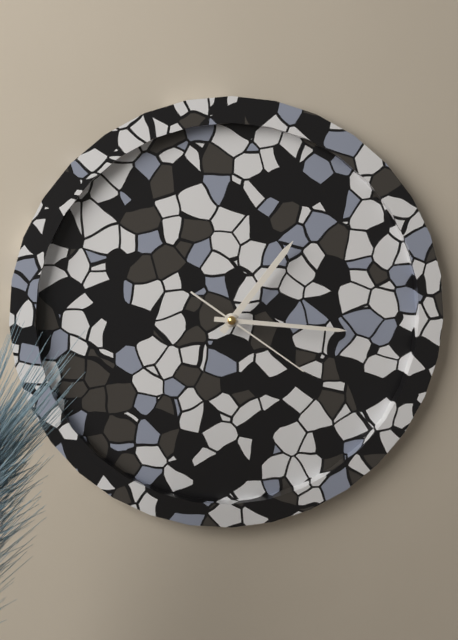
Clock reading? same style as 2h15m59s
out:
1h16m21s
